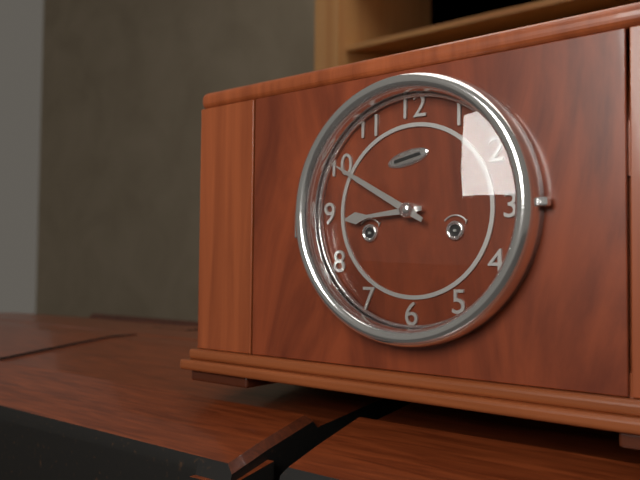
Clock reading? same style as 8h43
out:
8h50
